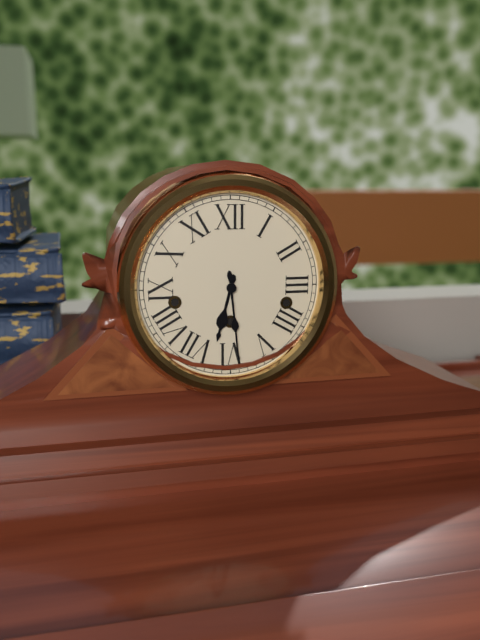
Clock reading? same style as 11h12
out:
6h29
